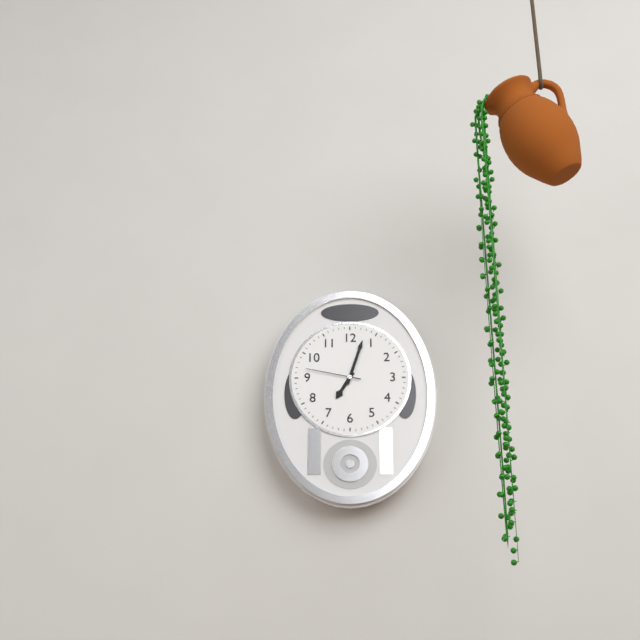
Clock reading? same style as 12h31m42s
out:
7h03m47s
